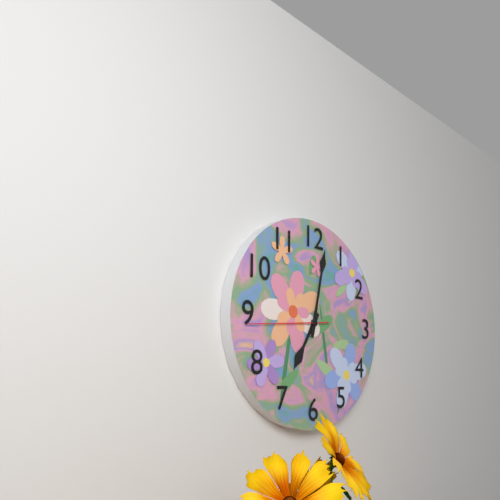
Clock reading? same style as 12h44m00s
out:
7h02m44s
